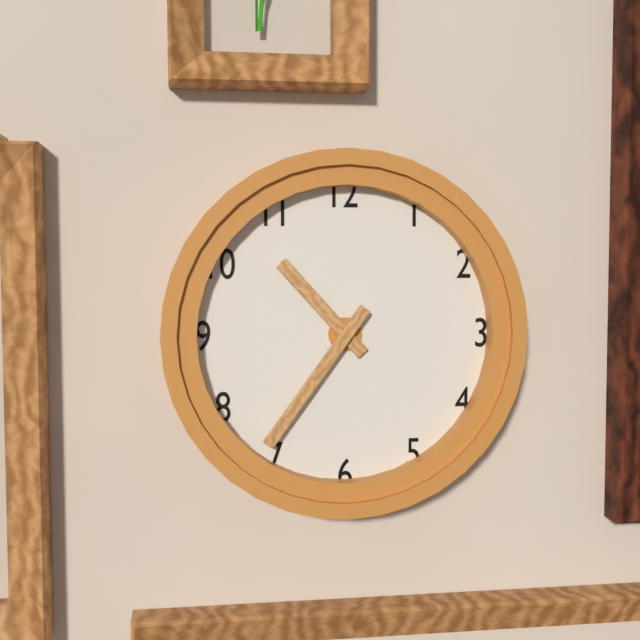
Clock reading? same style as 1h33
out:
10h36
